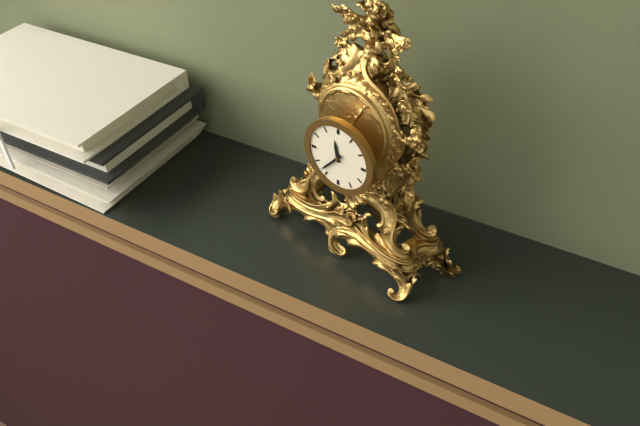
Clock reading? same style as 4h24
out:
11h37
